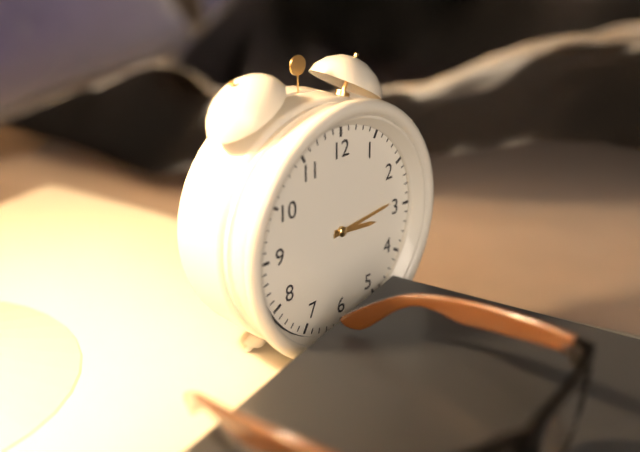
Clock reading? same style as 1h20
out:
3h14
